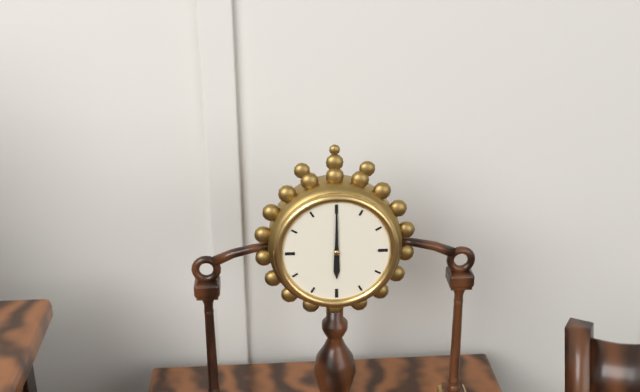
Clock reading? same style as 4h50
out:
6h00
